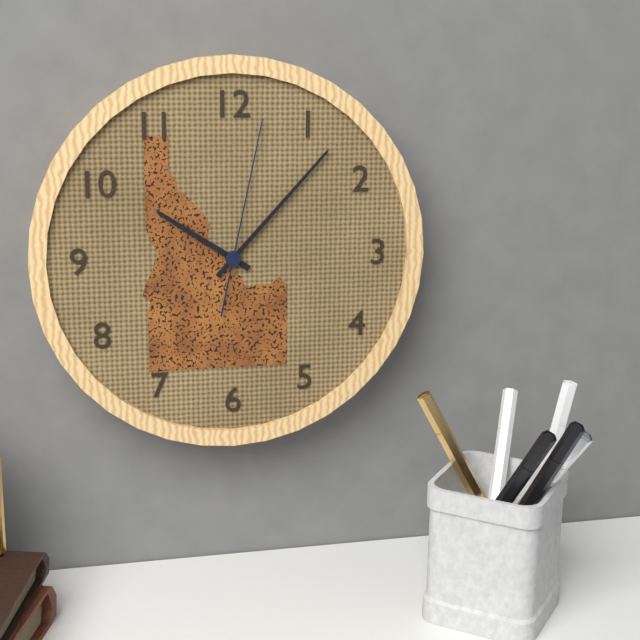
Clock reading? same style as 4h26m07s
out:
10h07m02s
